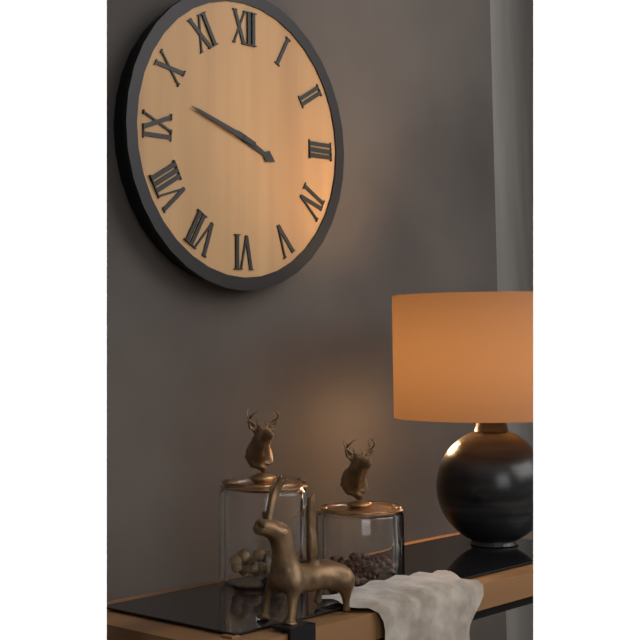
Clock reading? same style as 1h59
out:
3h48
